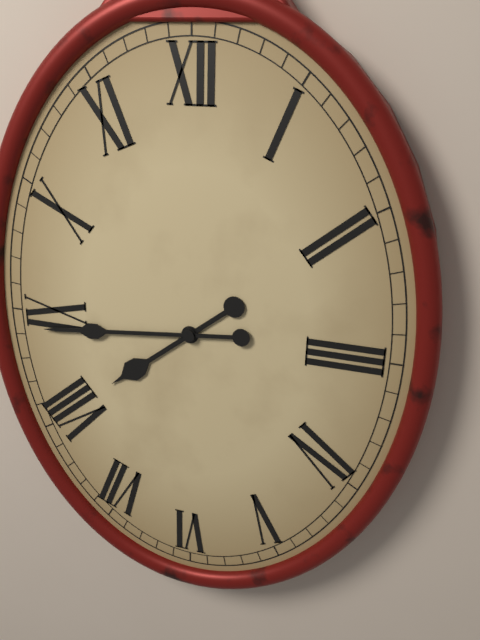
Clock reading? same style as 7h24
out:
7h44
